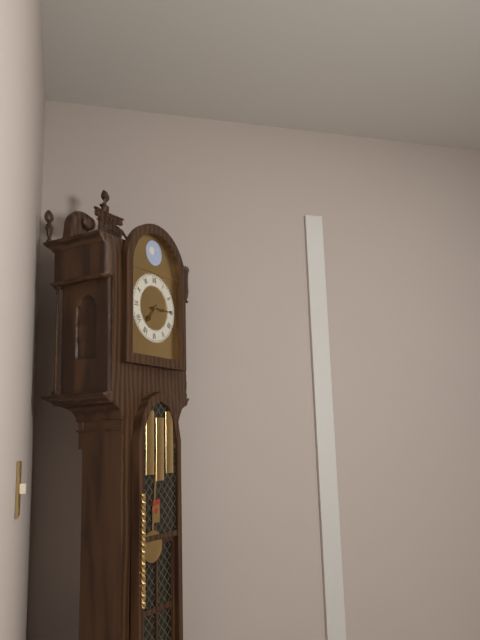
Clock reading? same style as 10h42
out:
7h15
